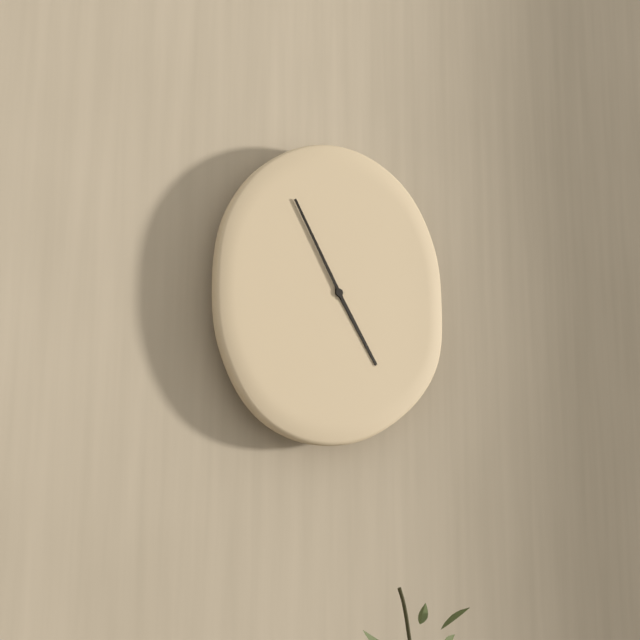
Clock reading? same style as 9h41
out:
4h55
